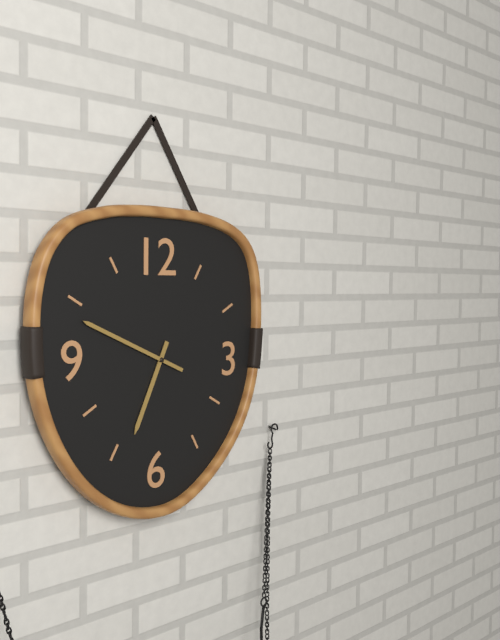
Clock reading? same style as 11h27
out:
6h49
